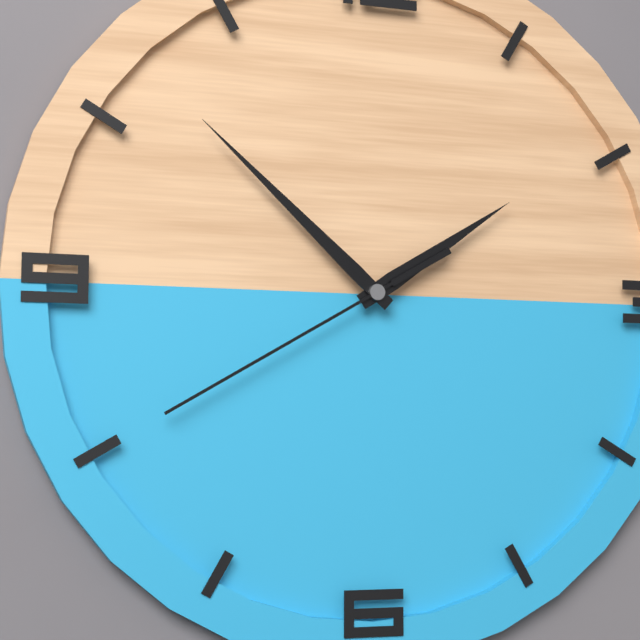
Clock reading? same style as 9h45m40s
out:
1h52m40s
